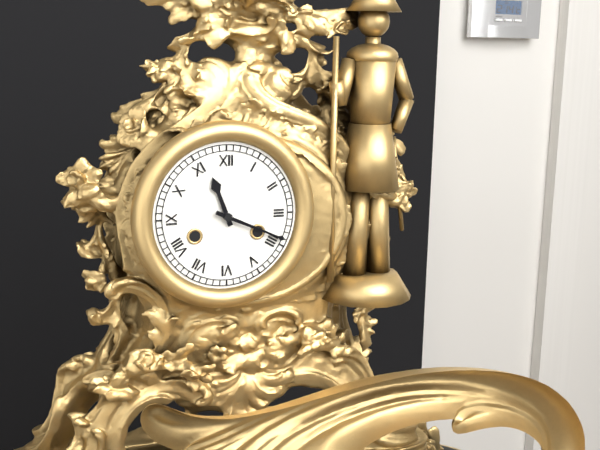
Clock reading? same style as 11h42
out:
11h19
